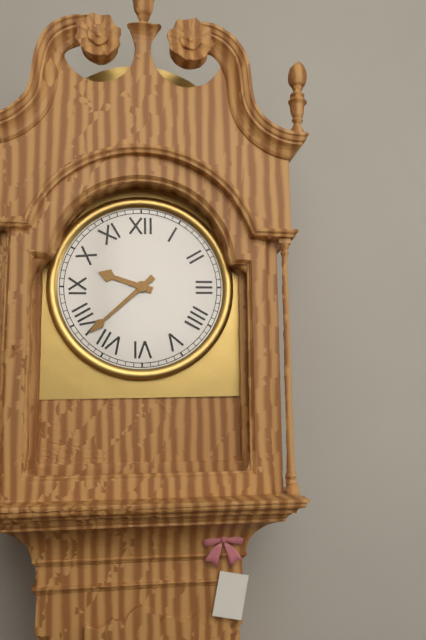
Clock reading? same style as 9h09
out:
9h38
